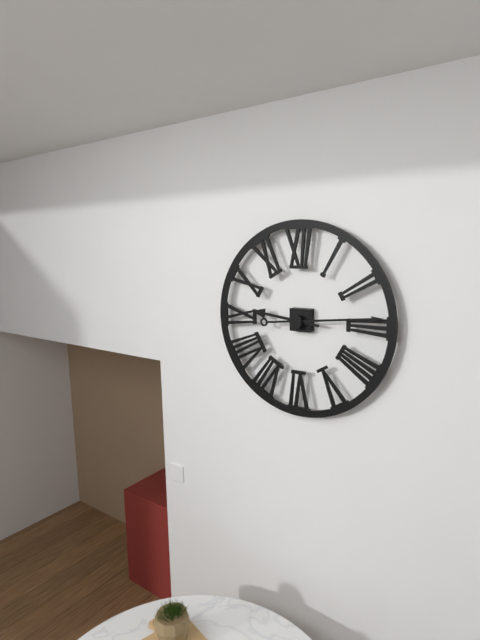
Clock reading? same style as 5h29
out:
9h14
